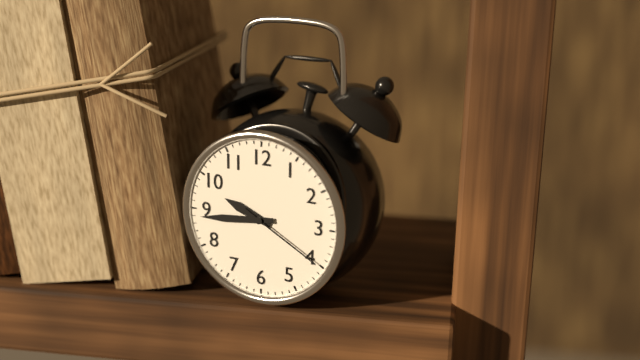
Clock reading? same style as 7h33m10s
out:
9h44m20s
